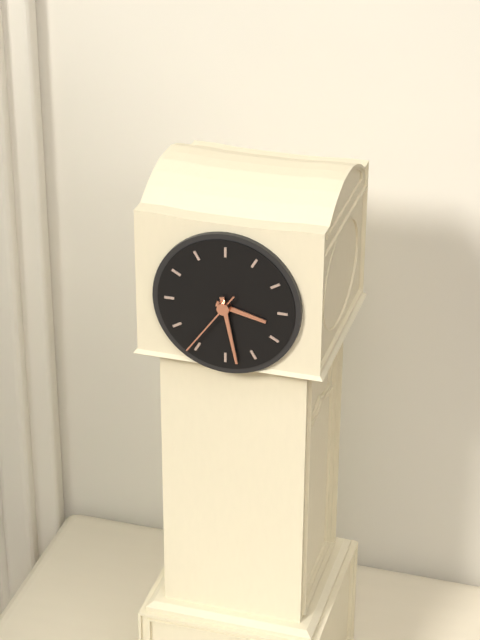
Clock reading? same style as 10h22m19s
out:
3h28m36s
